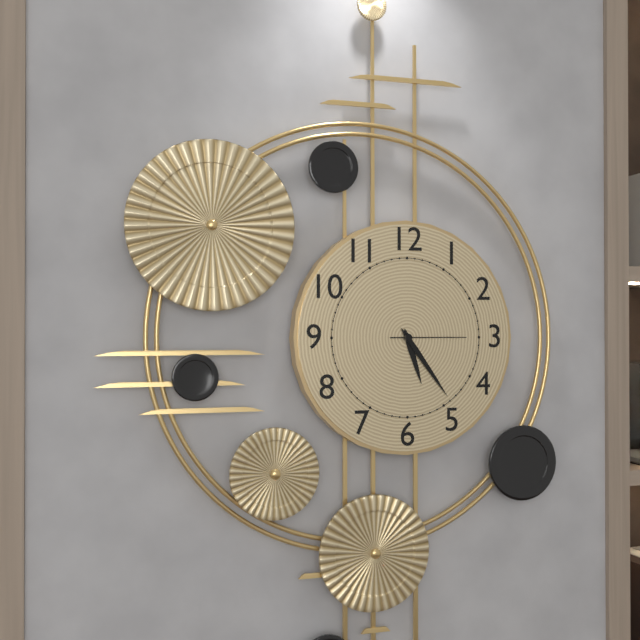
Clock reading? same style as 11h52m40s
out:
5h24m15s
